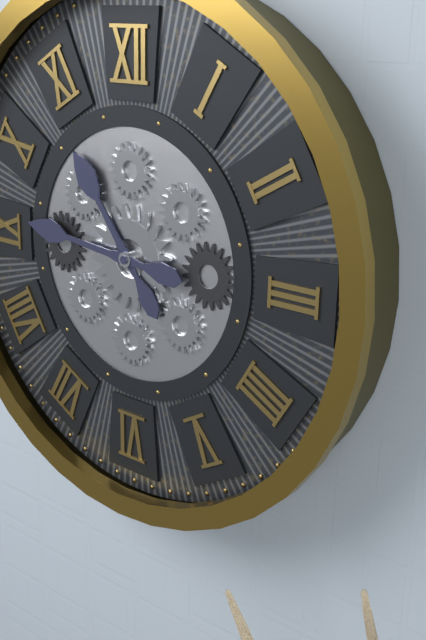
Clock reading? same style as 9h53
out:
10h46
